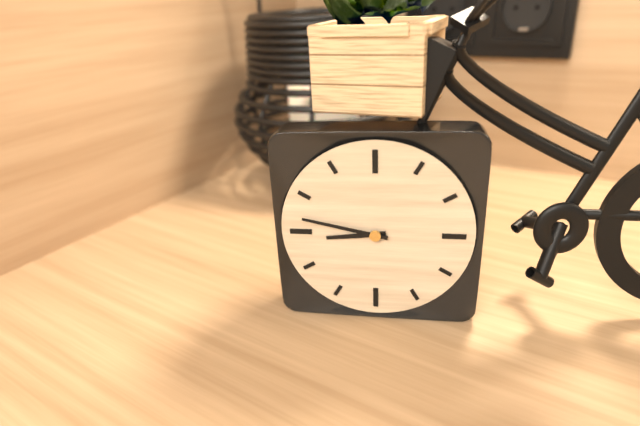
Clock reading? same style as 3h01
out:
8h47
